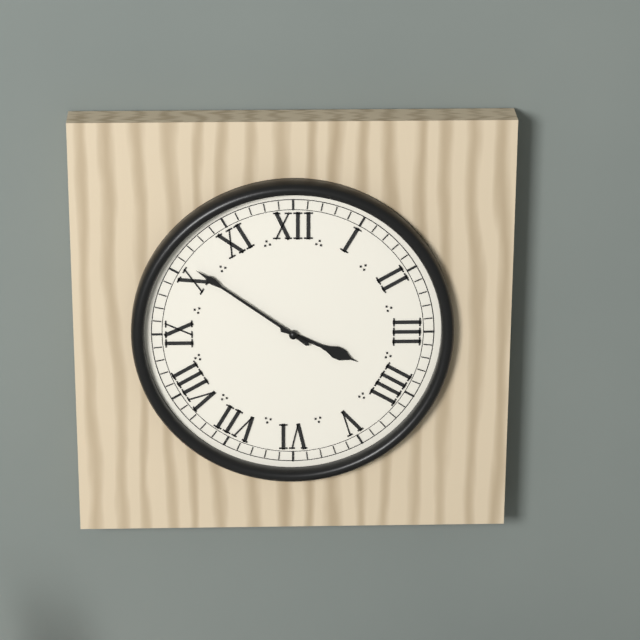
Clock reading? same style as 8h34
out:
3h51
